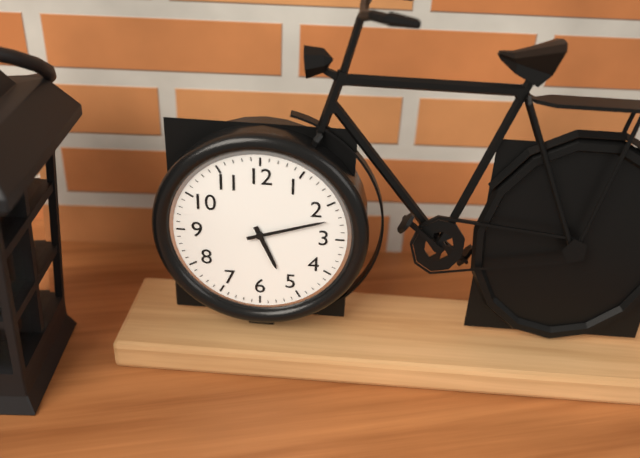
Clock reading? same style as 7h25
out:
5h12
